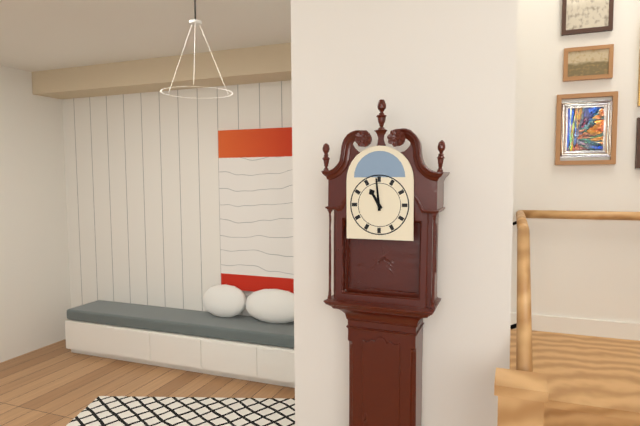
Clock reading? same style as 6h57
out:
10h59
